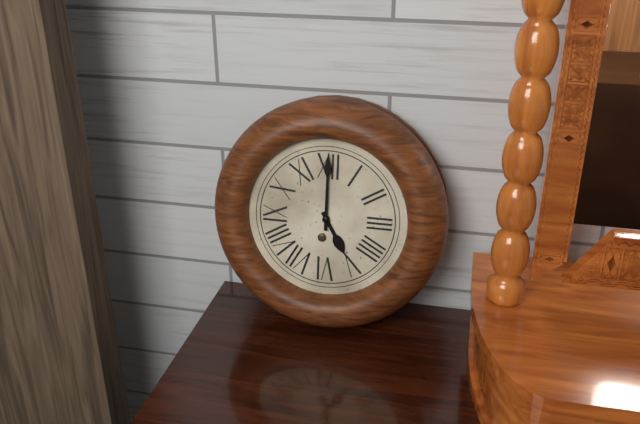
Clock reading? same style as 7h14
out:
5h00
